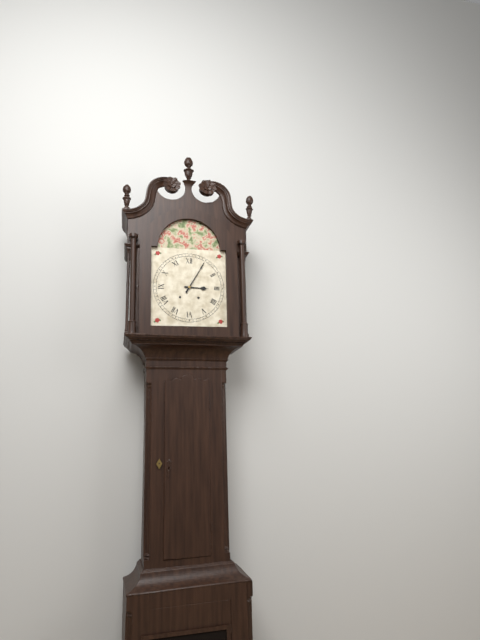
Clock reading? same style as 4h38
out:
3h05
